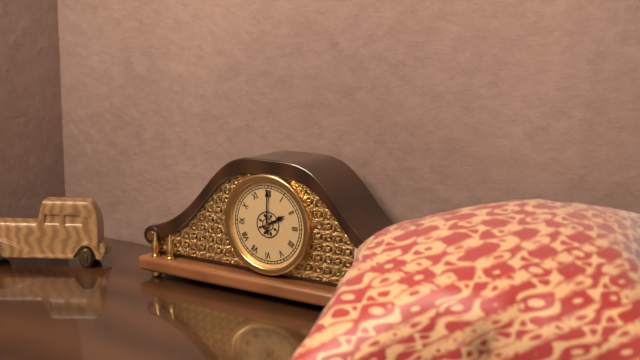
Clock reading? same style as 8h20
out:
2h00
